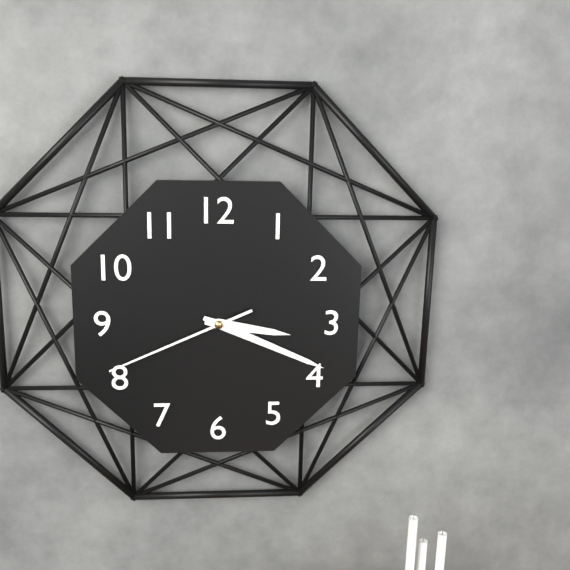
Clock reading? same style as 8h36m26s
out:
3h19m41s
